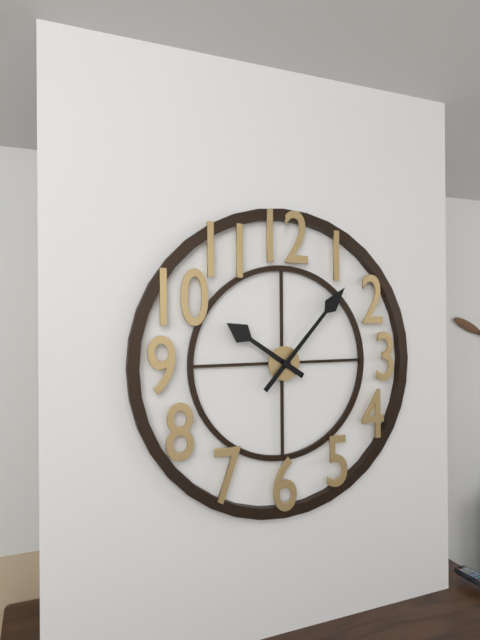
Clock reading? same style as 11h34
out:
10h07
